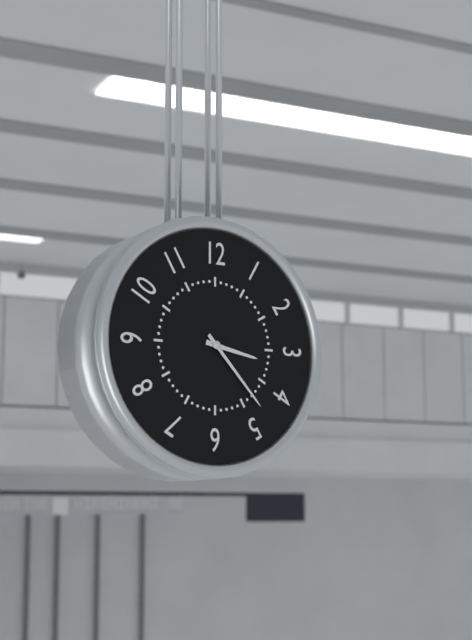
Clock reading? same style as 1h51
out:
3h23
